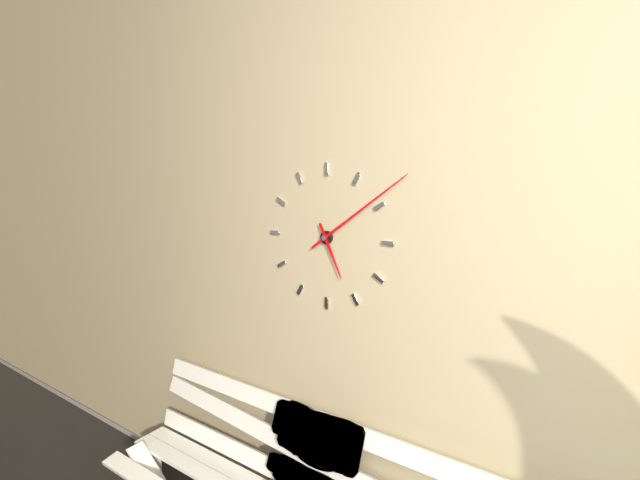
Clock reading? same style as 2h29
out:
5h09
